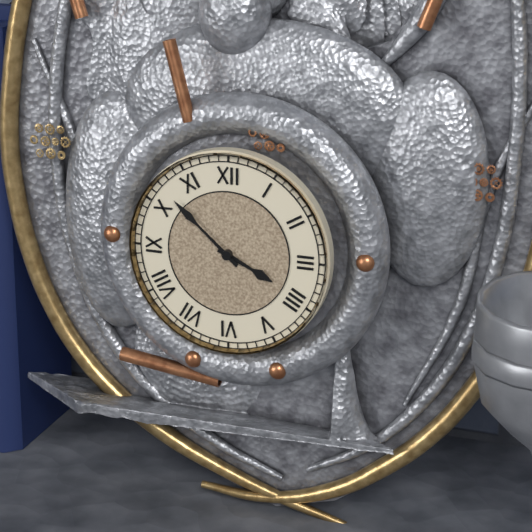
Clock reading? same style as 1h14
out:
3h52
